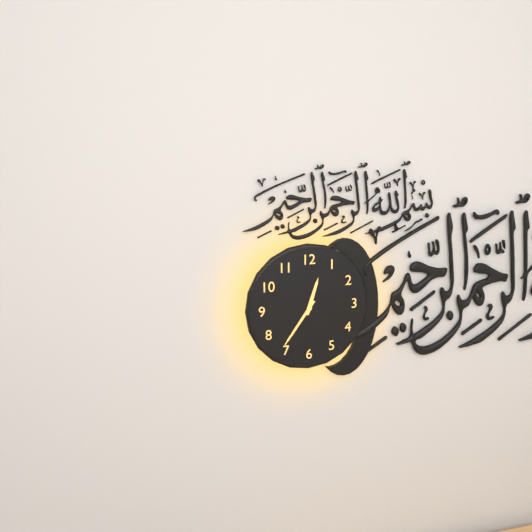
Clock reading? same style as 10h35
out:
12h36
